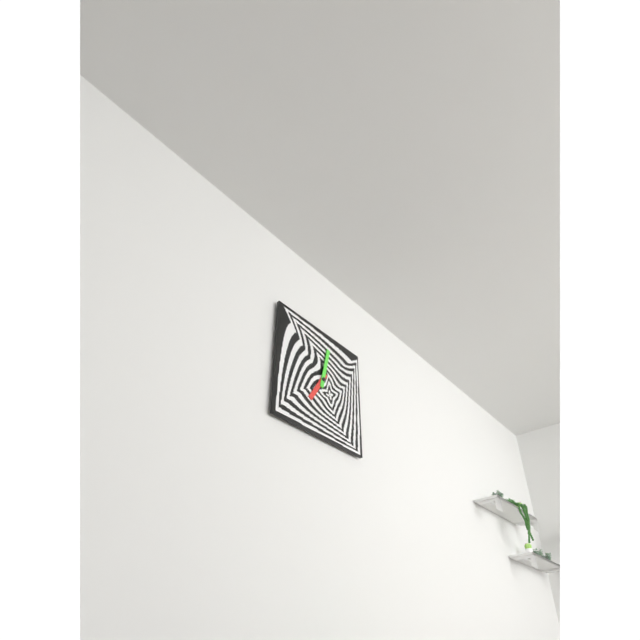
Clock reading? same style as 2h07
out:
7h02
